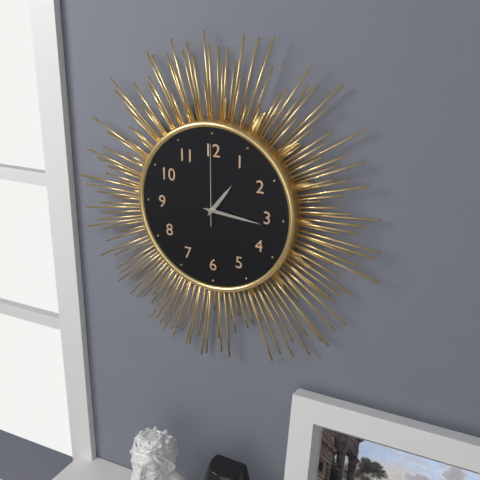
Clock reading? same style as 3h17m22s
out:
1h16m00s
